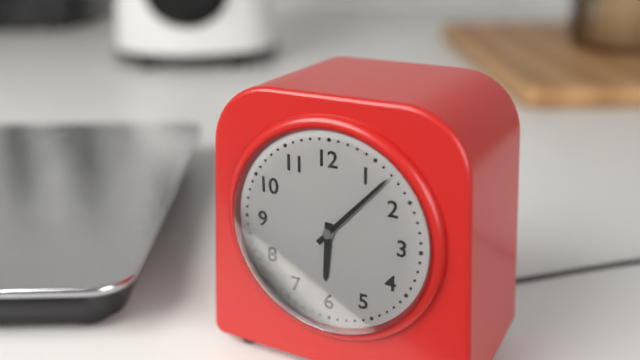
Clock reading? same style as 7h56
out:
6h07
